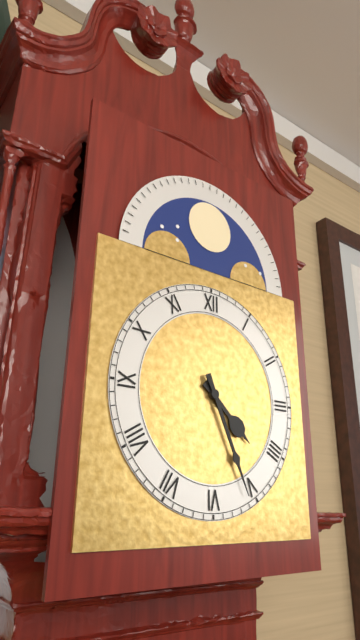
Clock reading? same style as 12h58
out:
4h26
